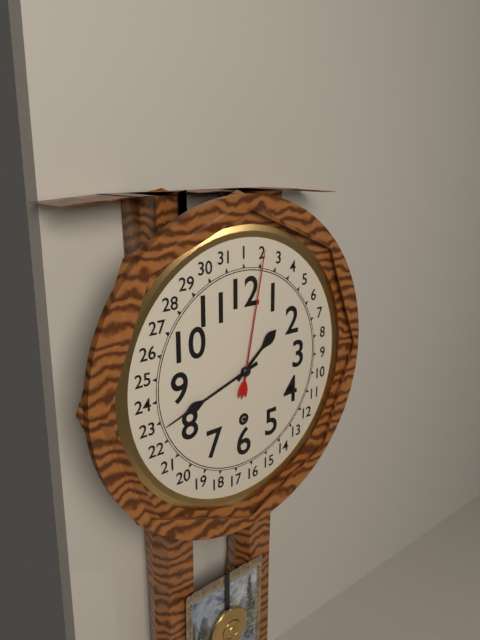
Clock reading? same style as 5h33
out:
1h42
